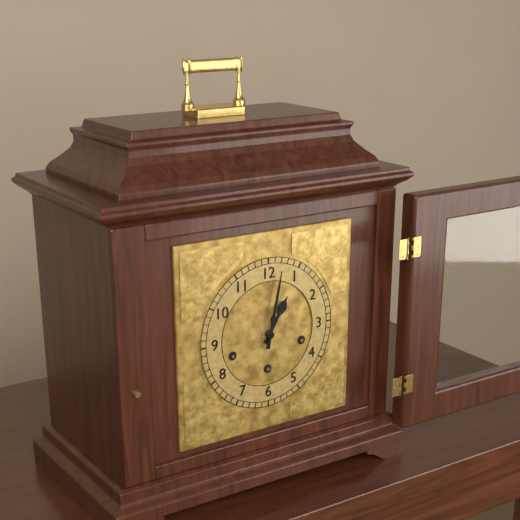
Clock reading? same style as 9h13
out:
1h02
